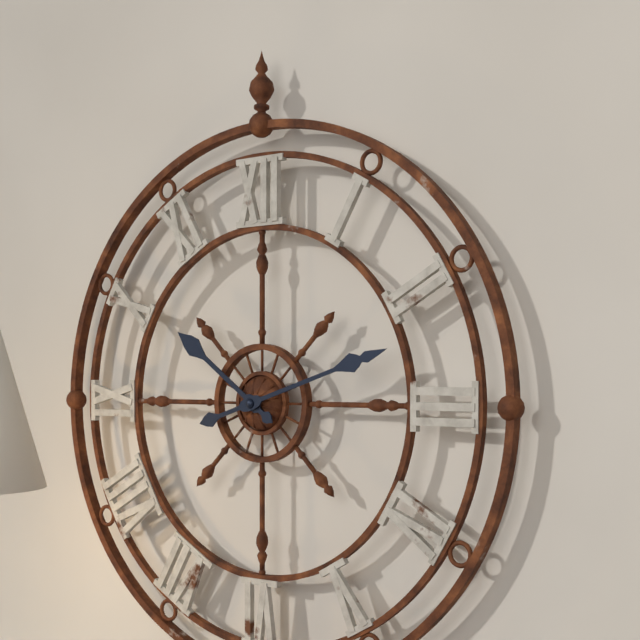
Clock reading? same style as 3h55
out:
10h12
